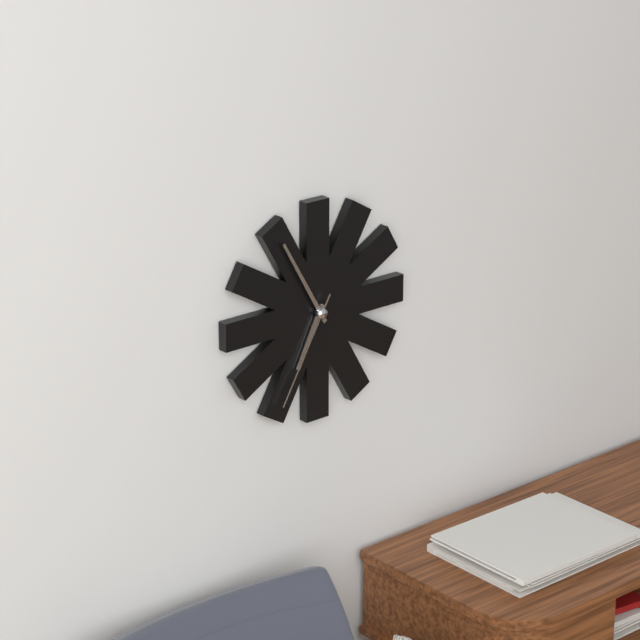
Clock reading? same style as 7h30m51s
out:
6h55m35s
